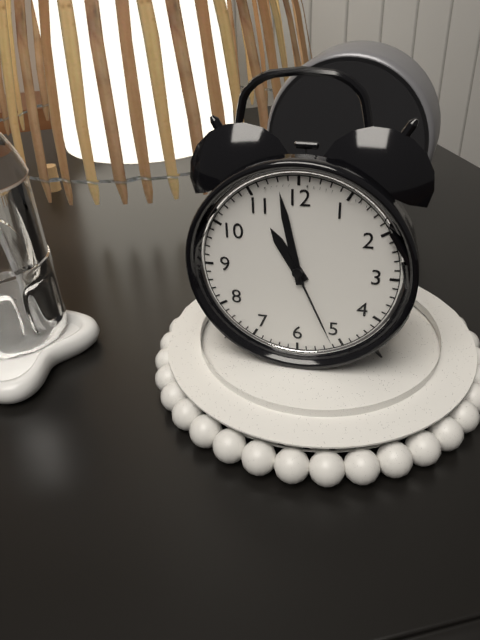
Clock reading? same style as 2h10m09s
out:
10h58m26s
